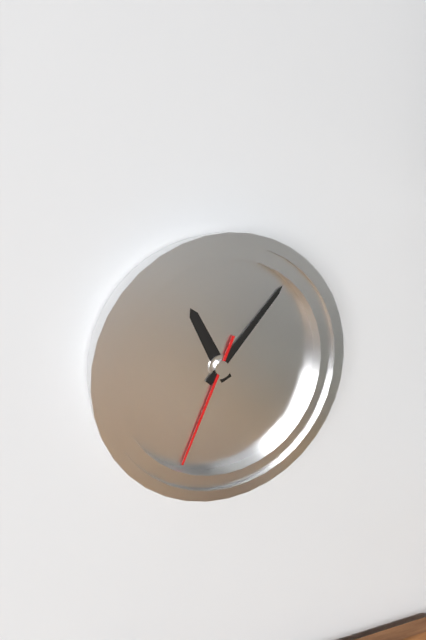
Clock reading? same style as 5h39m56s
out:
11h07m34s
